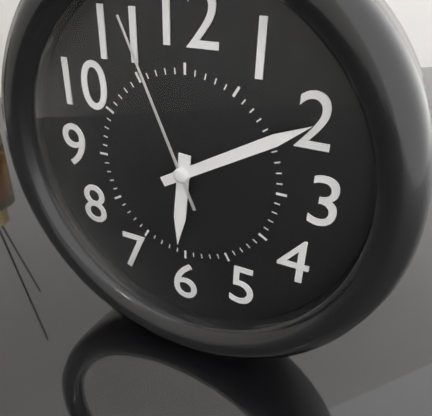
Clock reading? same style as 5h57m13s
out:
6h10m56s
